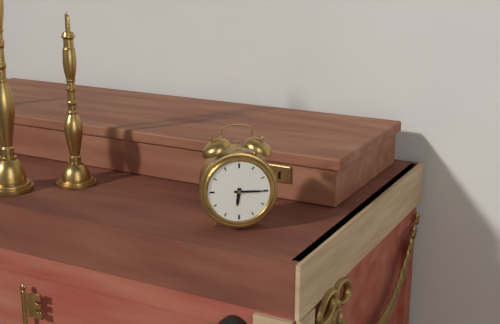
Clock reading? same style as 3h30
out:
6h15
